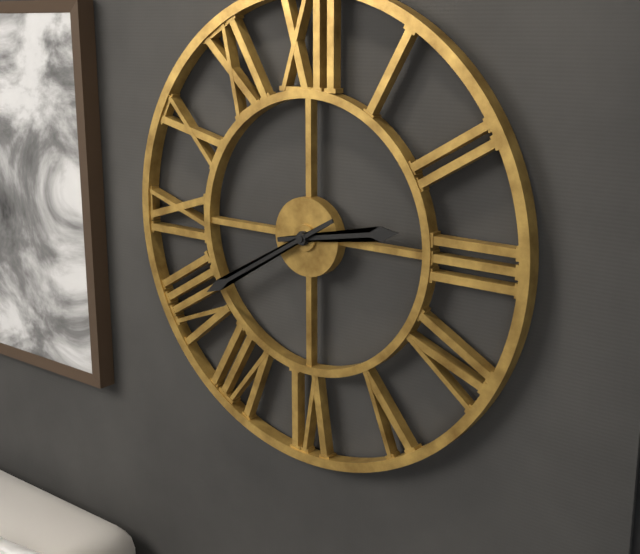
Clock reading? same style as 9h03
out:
2h40
